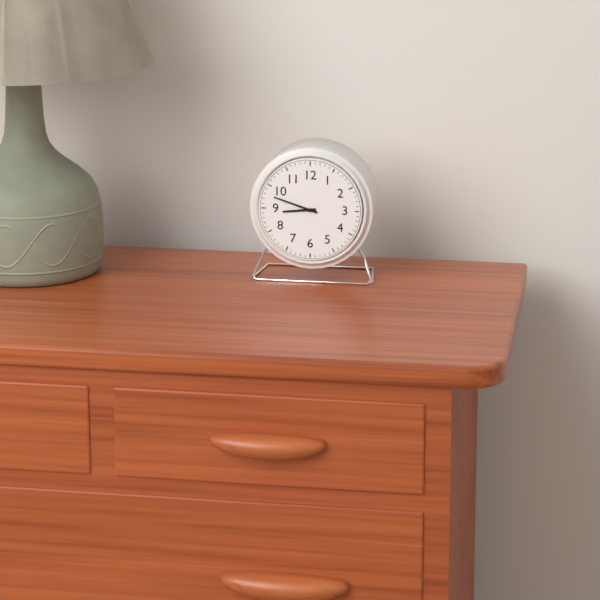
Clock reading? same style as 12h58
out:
8h48
